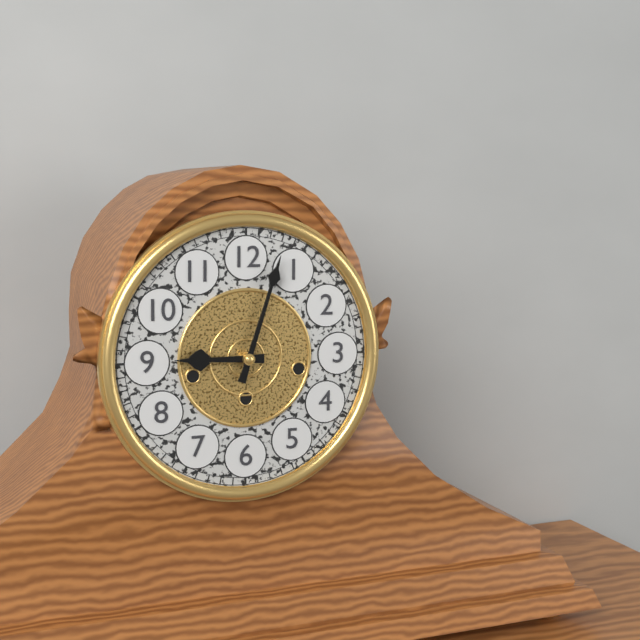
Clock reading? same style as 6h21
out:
9h03
